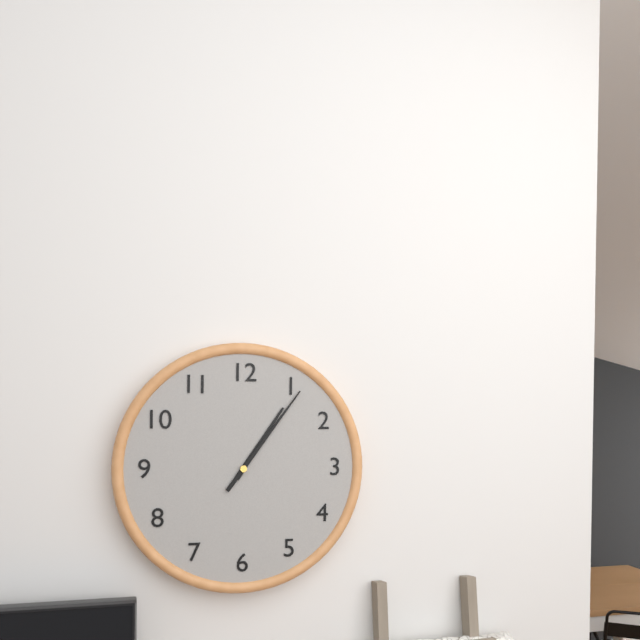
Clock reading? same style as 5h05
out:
1h06
